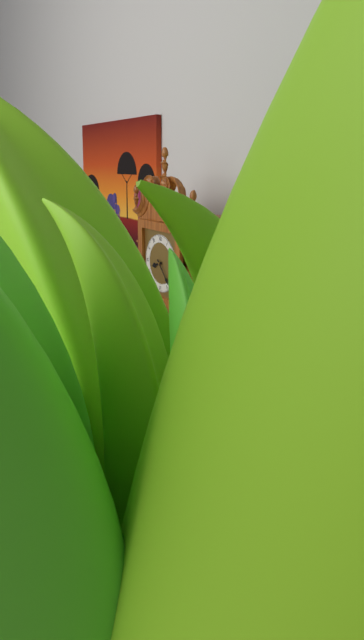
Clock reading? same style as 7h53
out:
8h23
